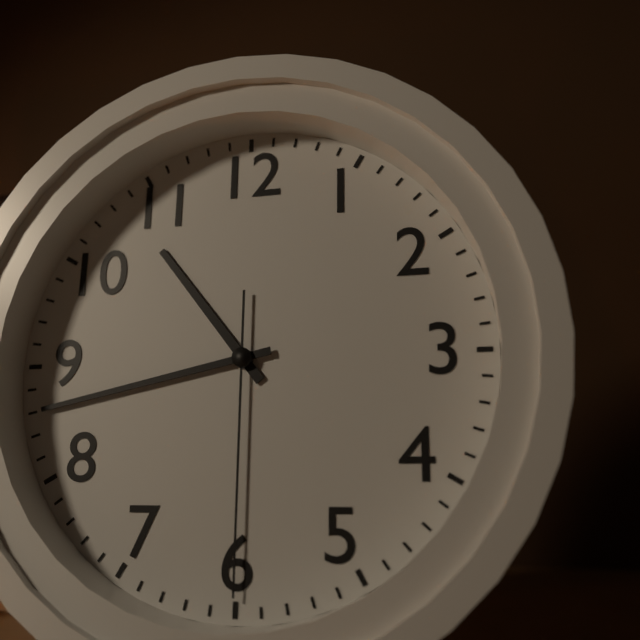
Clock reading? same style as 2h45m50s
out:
10h43m30s
